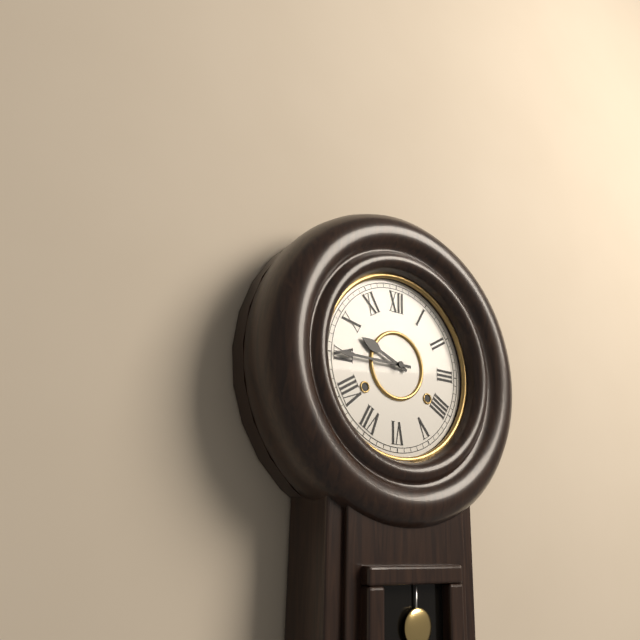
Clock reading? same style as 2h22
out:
9h45
